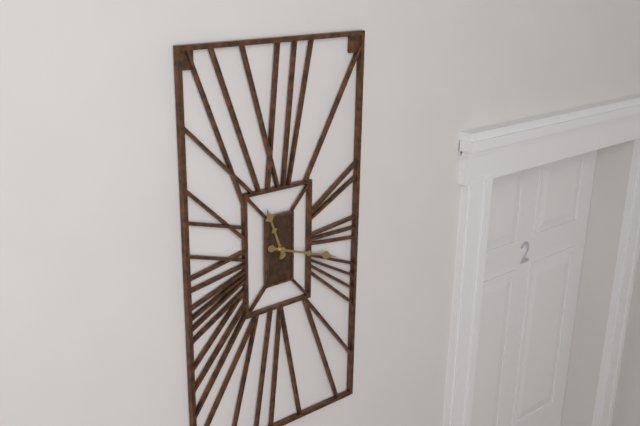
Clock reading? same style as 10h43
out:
11h18
